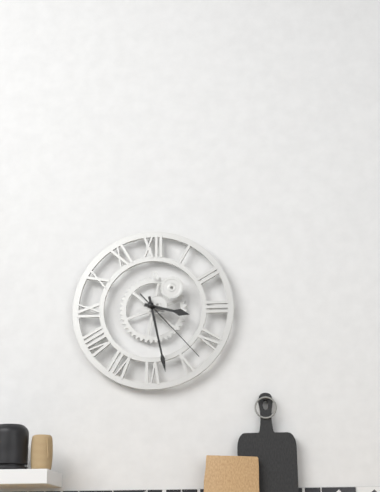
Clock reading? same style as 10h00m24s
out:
3h28m23s
